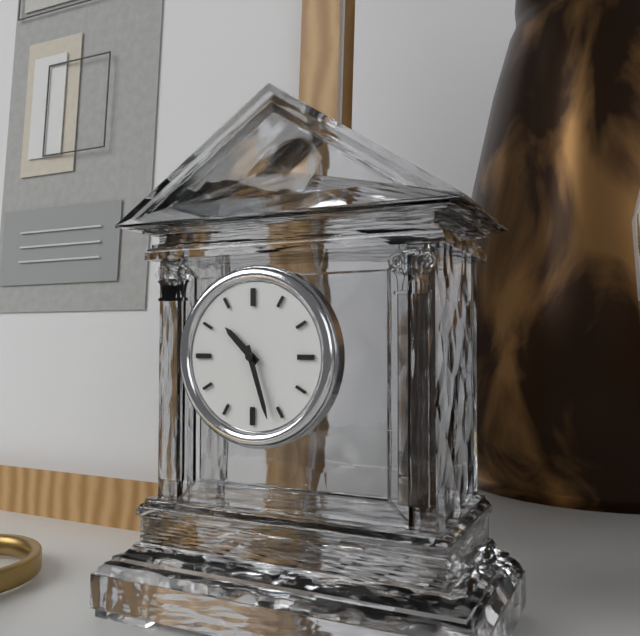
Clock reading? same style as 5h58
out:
10h27
